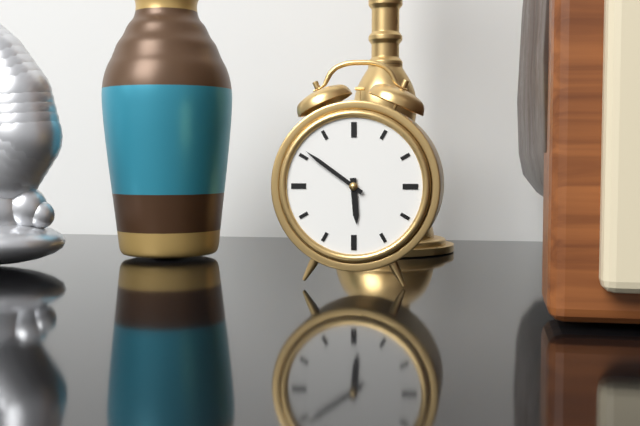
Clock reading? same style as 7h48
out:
5h51
